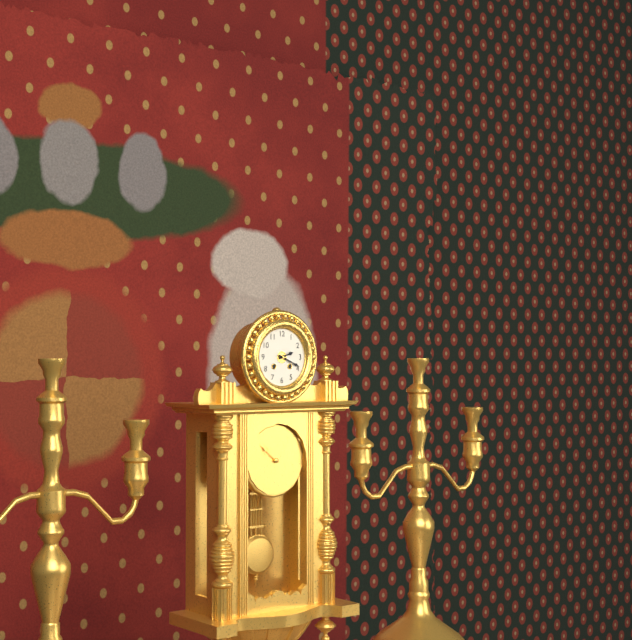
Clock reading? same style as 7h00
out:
2h19
